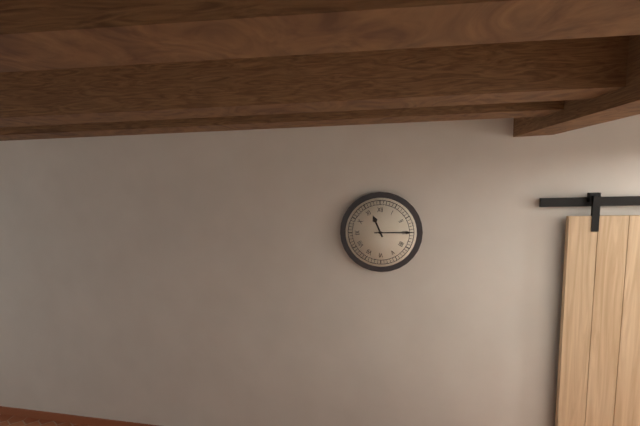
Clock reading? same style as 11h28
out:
11h15
